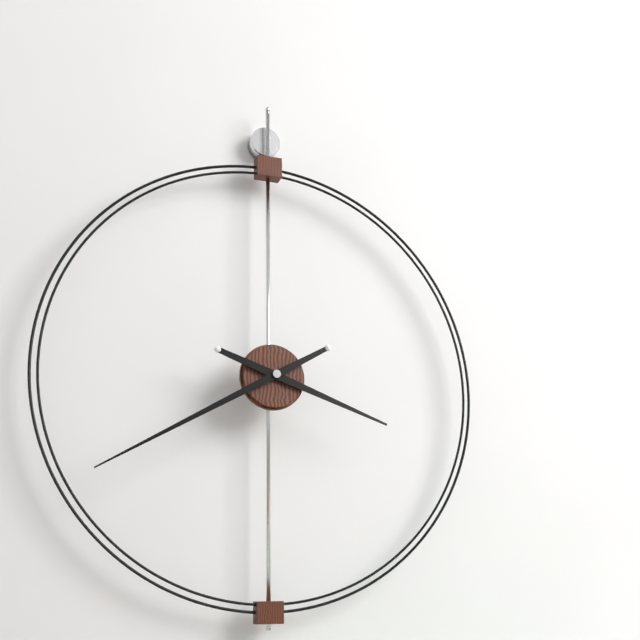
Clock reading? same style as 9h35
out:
3h40
